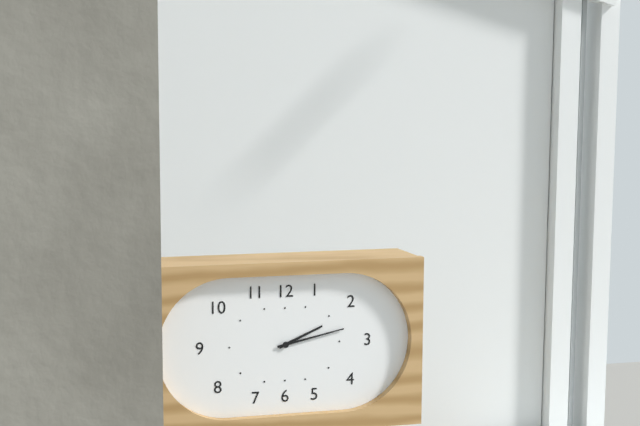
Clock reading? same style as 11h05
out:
2h13
